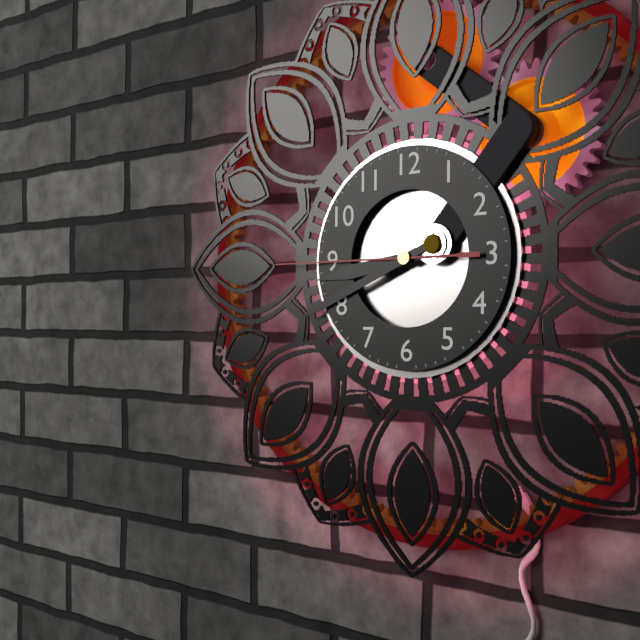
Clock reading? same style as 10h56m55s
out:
8h41m45s
